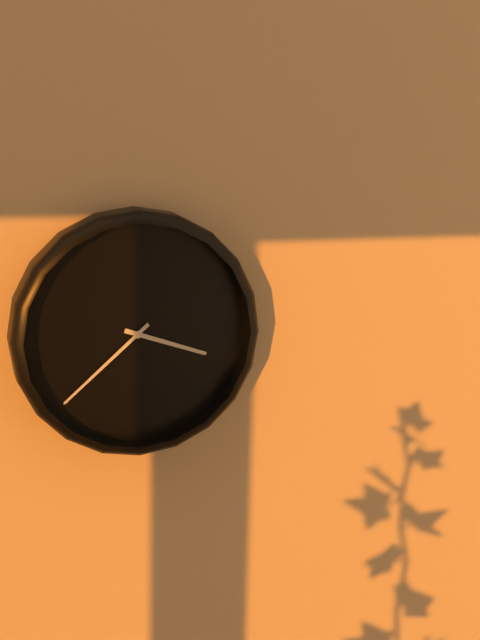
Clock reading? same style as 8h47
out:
3h38
